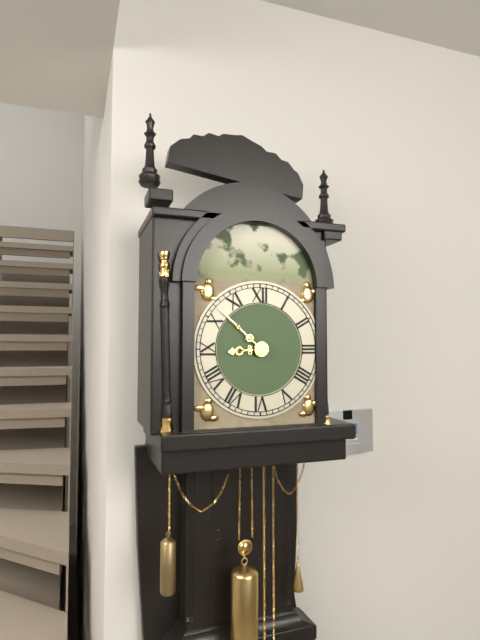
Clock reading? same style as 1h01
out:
8h52
